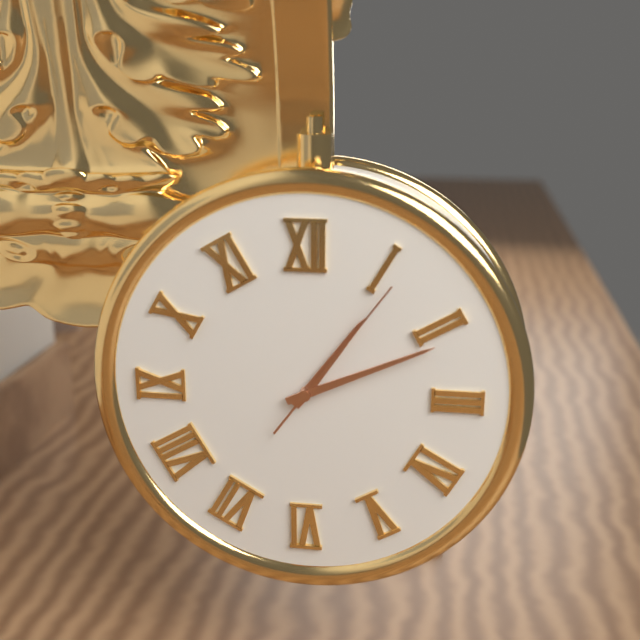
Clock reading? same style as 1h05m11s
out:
1h11m06s
